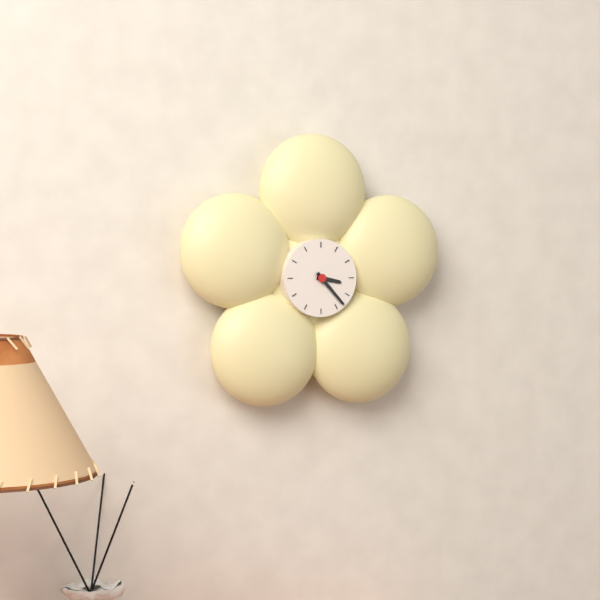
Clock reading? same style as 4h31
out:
3h23
